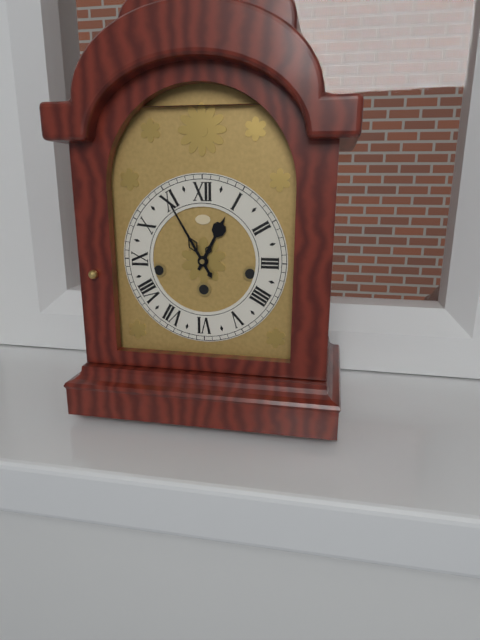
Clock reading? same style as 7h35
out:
12h55
